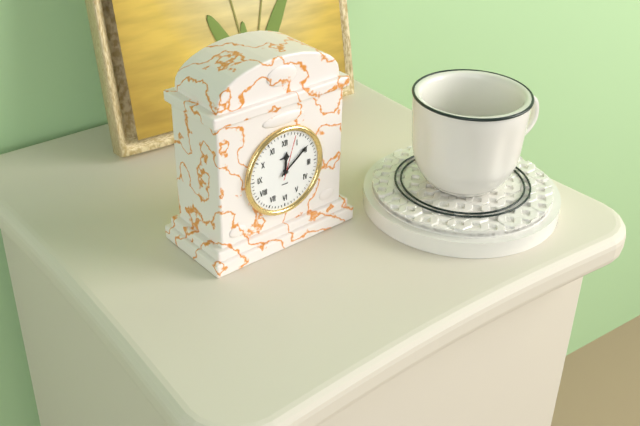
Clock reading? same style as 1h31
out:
12h09
